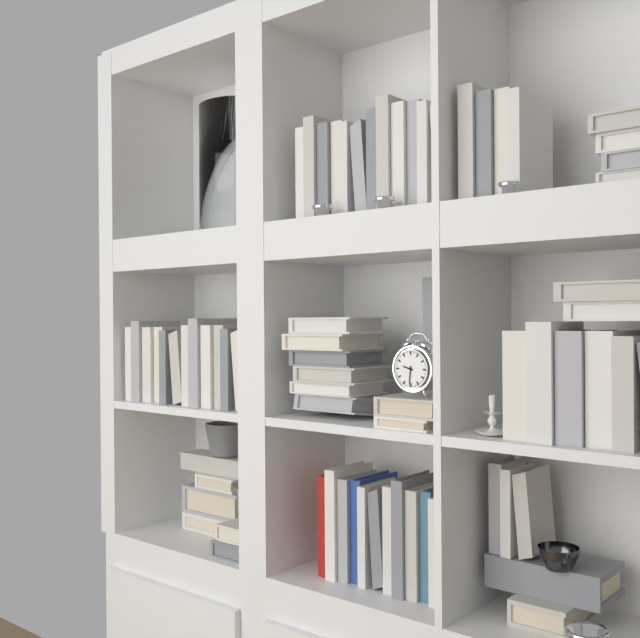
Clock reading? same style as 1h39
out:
9h31
